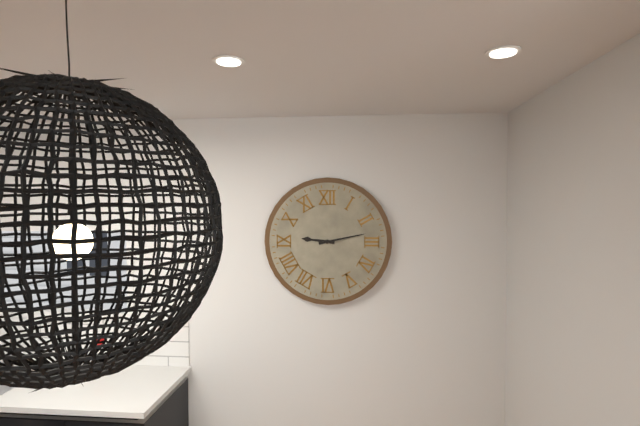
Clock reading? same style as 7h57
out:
9h13
